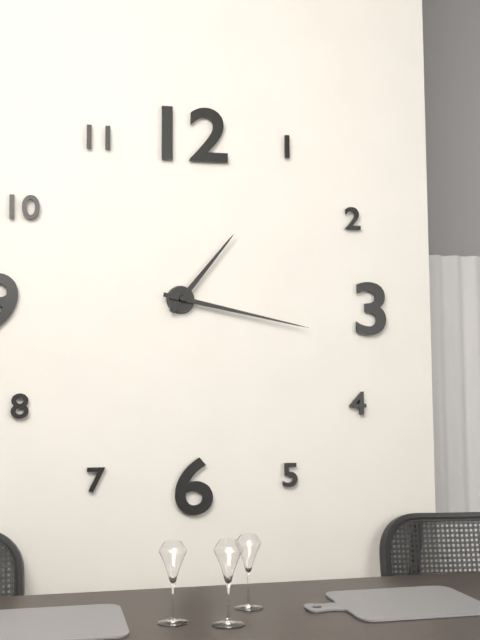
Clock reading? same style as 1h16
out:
1h17
